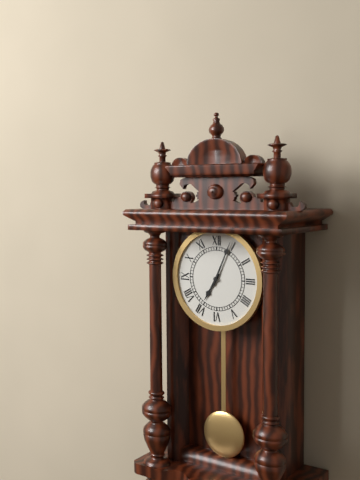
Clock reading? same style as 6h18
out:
7h04
